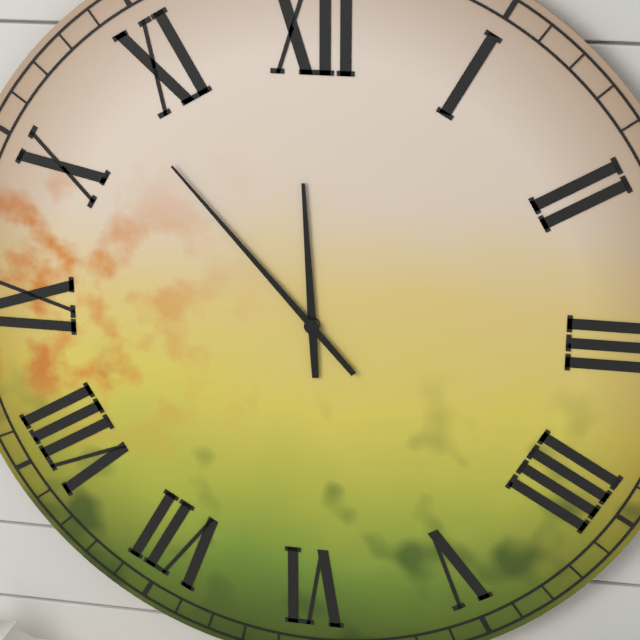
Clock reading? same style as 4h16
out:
11h53
